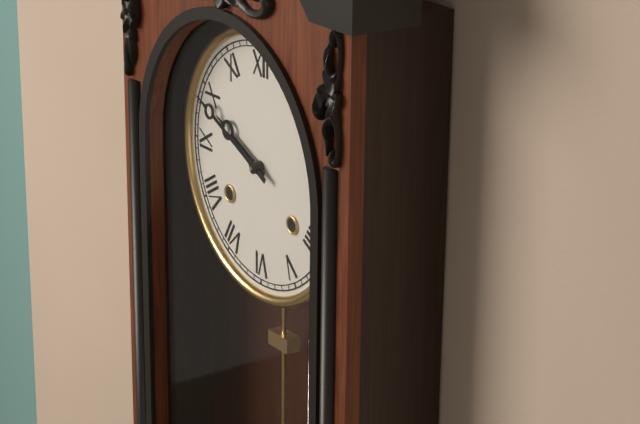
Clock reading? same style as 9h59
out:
9h49
